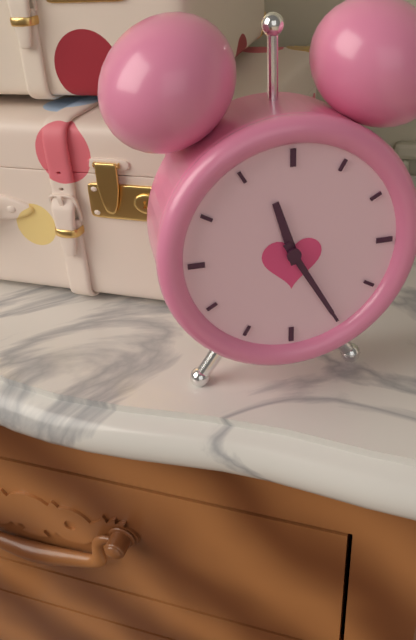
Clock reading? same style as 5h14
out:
11h25
